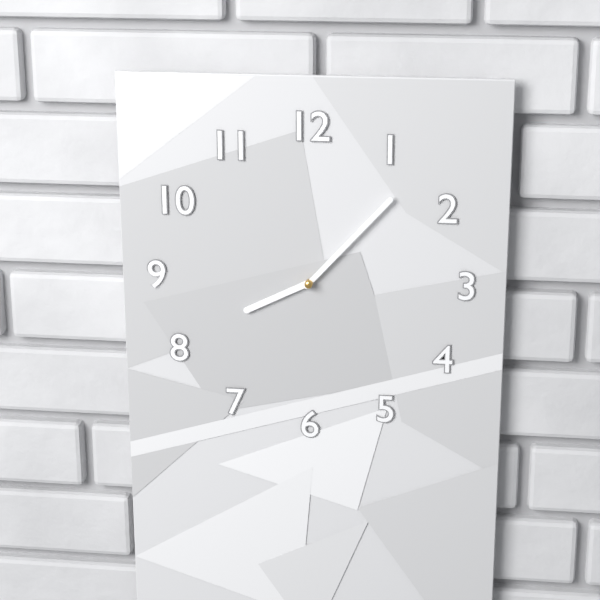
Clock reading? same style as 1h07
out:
8h07
